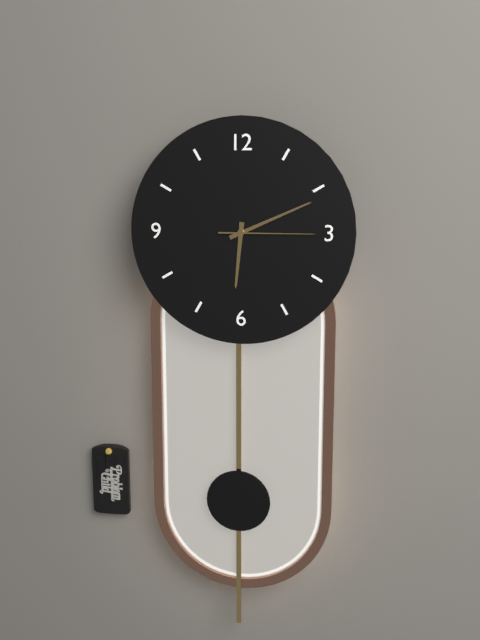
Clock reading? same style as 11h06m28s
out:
6h11m15s
